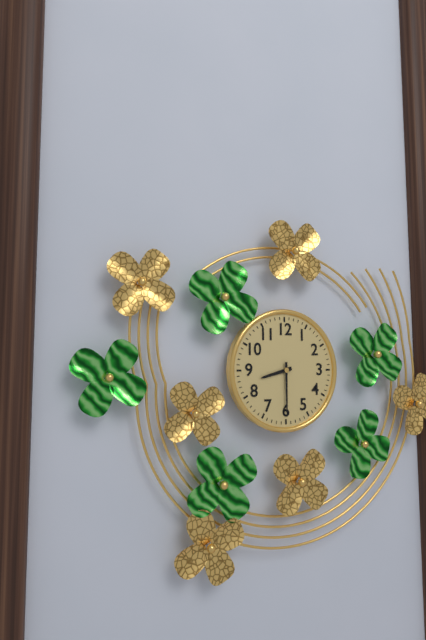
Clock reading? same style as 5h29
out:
8h30
